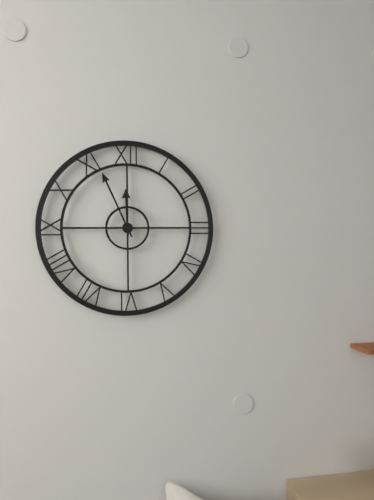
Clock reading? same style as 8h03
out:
11h56
